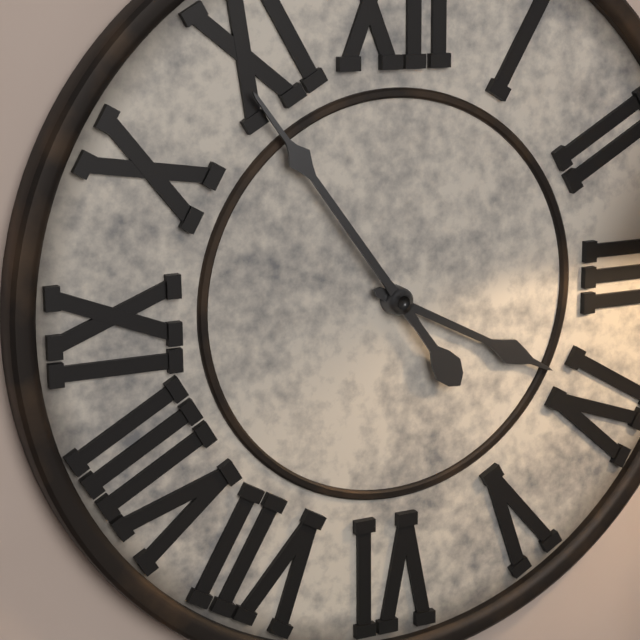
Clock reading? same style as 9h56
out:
3h54
